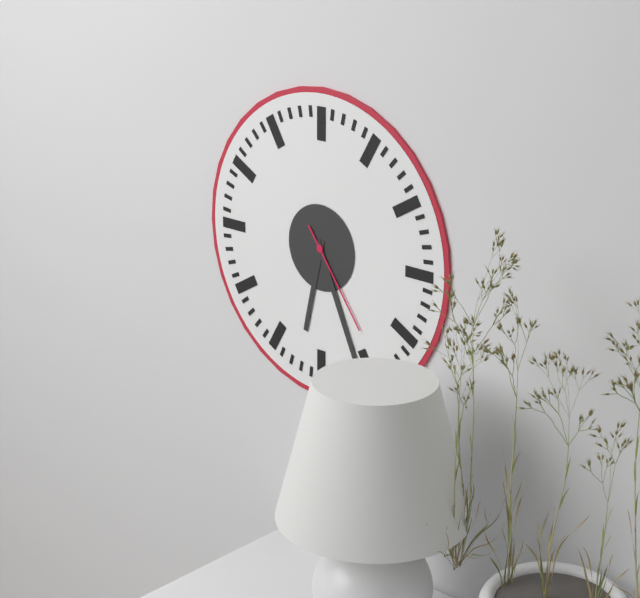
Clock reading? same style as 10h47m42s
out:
6h26m24s
